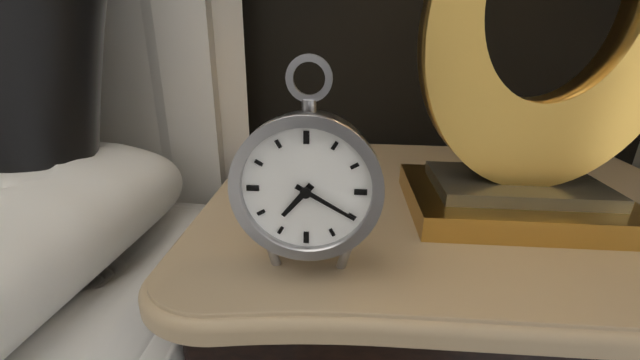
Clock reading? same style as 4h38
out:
7h20
